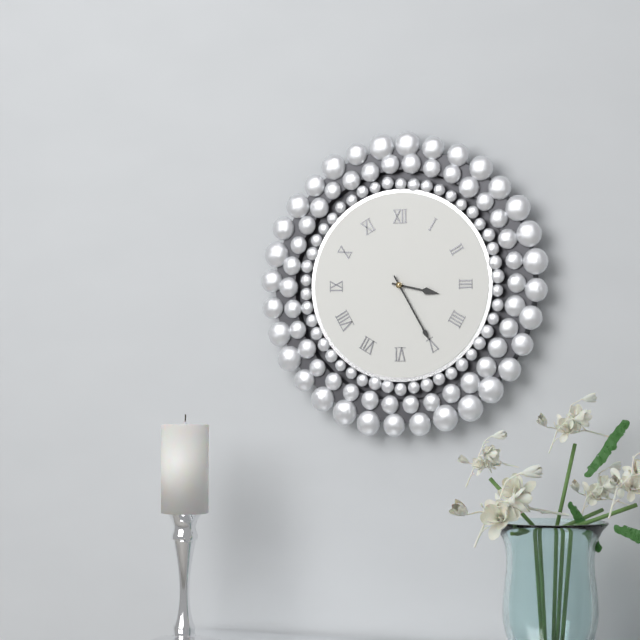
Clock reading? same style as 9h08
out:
3h25
